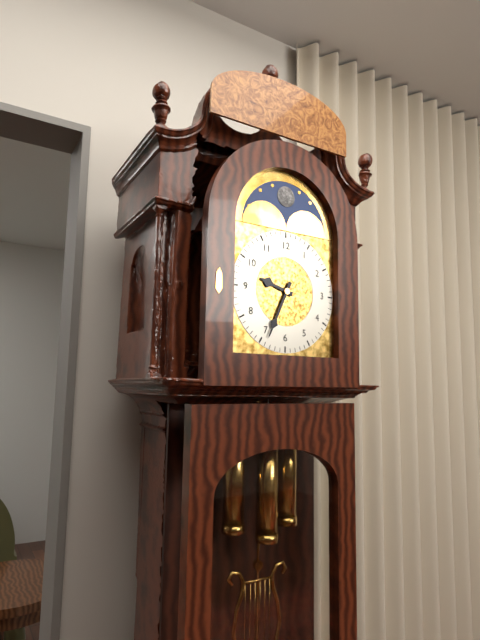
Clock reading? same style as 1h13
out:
9h34
